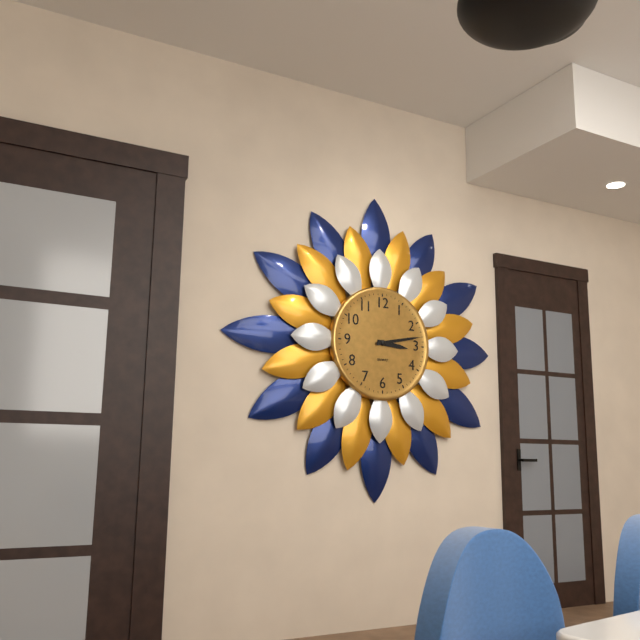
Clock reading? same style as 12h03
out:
3h13
